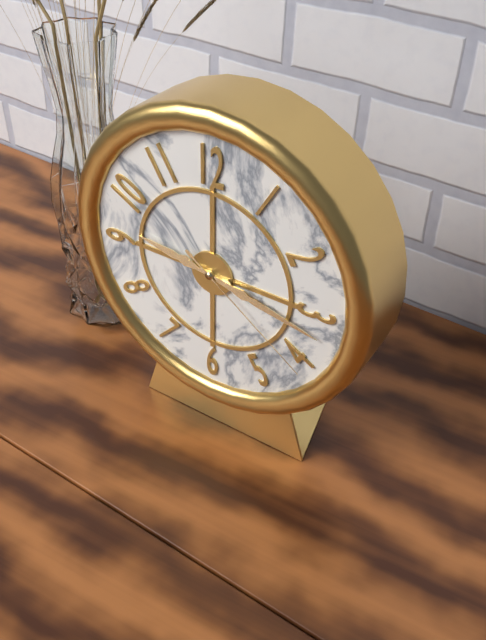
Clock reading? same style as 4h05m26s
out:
9h17m21s
